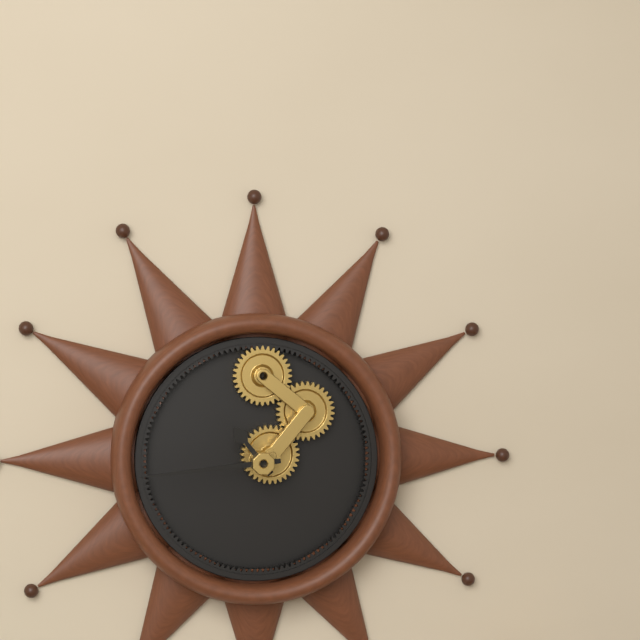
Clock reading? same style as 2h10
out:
10h44
